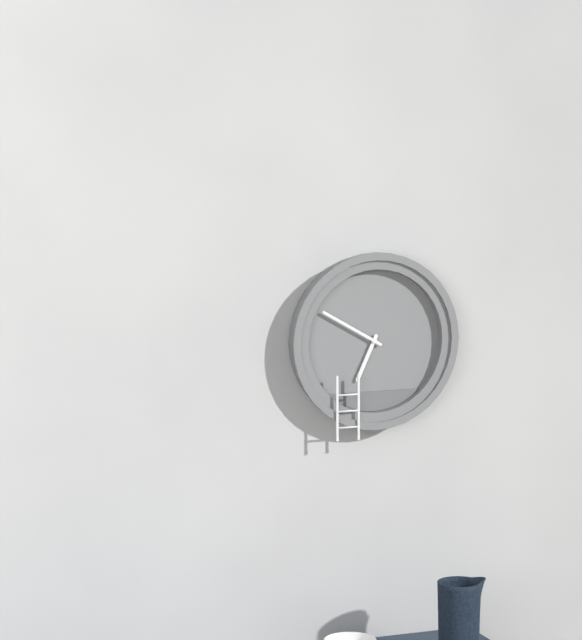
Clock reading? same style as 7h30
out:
6h50
